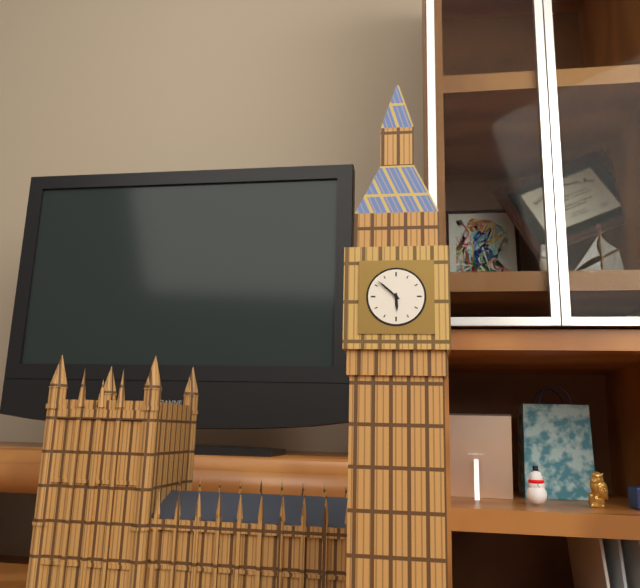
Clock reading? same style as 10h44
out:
5h52
